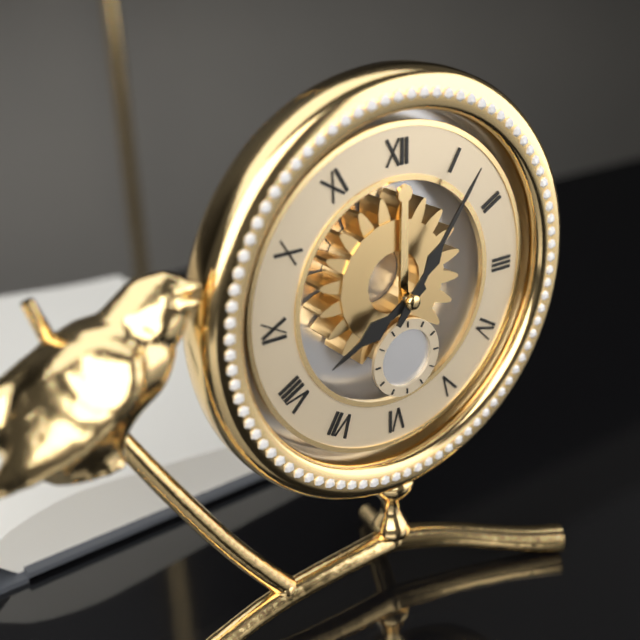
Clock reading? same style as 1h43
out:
8h06
